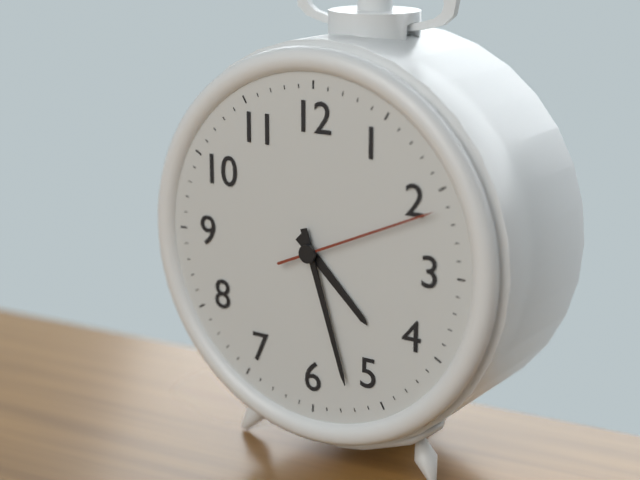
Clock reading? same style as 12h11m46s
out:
4h27m11s
